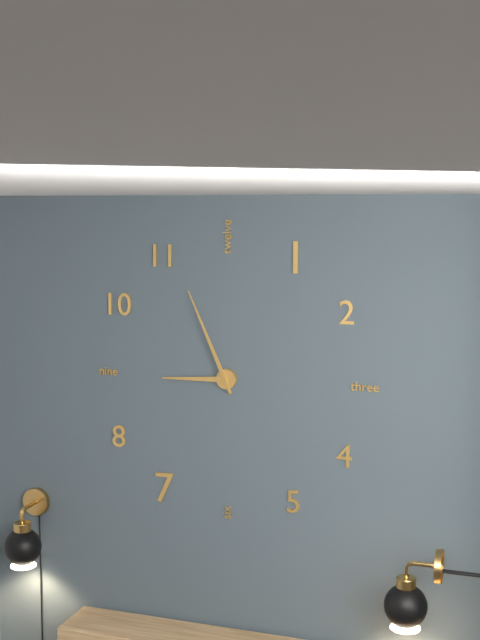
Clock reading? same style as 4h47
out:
8h56
